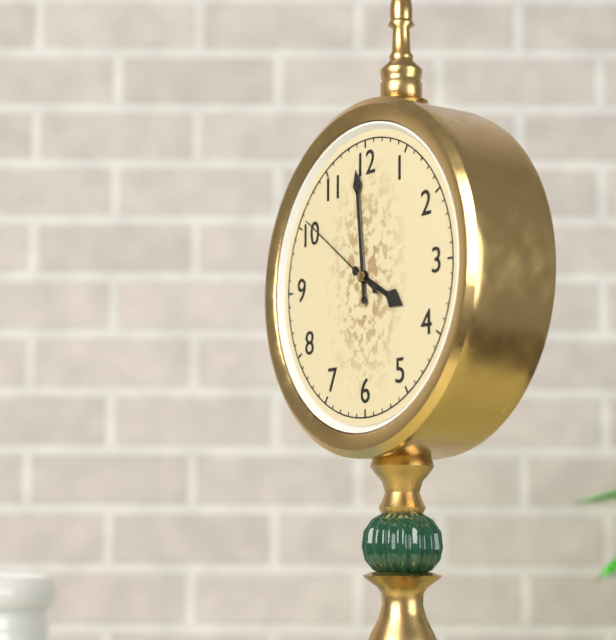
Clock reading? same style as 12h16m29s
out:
3h59m51s
